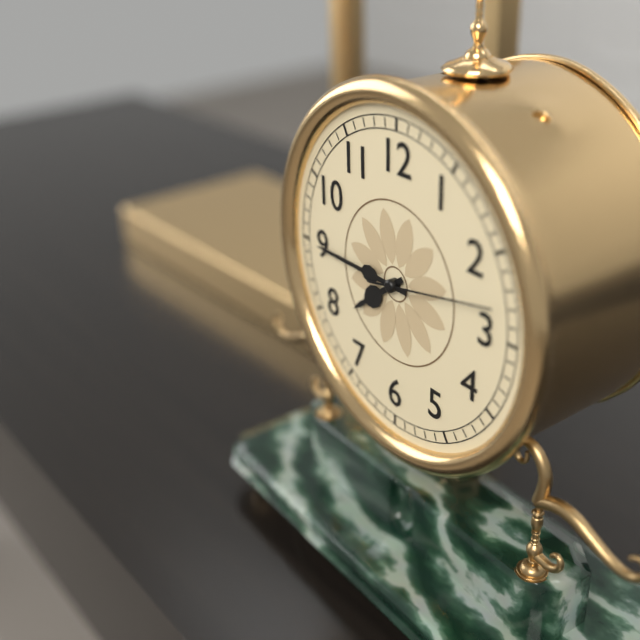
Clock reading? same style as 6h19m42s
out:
7h45m13s
